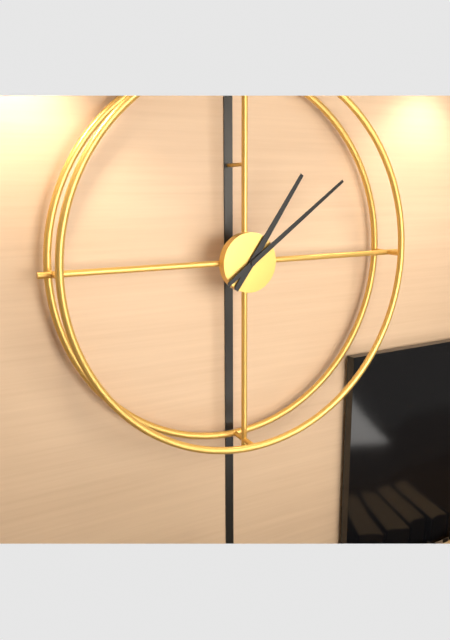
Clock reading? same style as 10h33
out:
1h09
